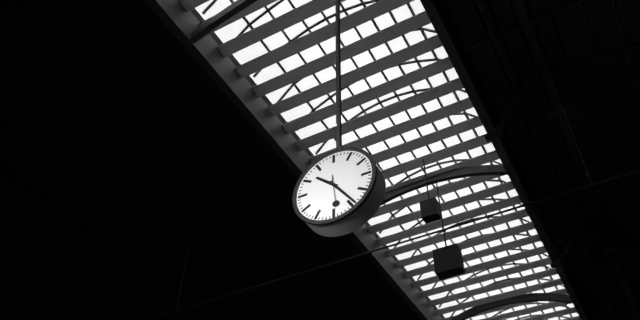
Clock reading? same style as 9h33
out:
10h24
